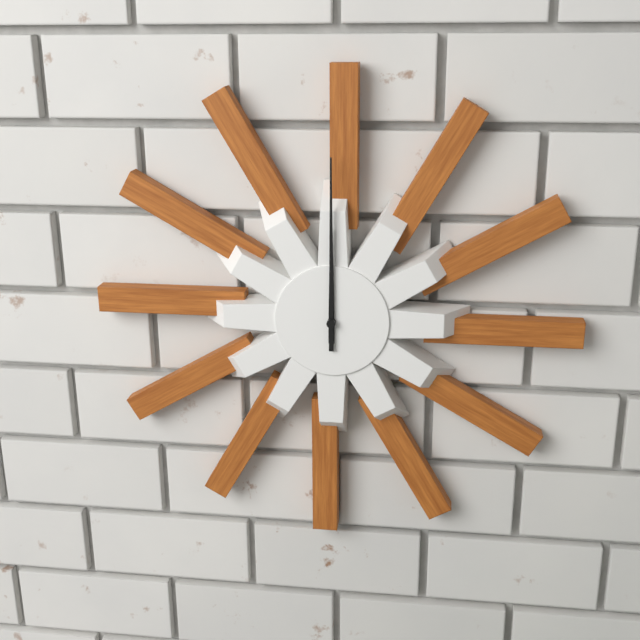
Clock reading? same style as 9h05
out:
12h00
